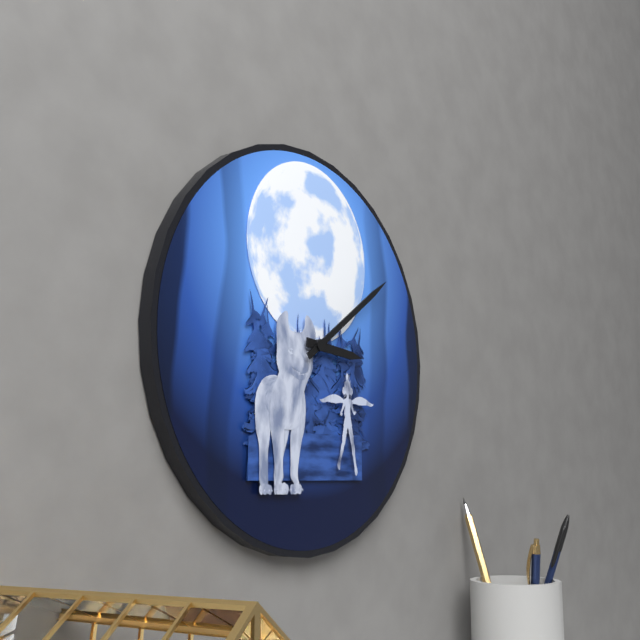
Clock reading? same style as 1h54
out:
3h09
